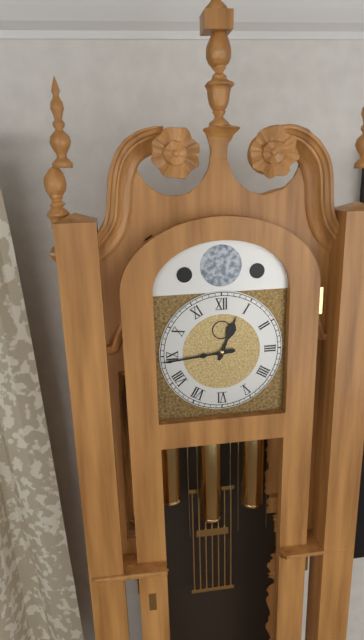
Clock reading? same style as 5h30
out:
12h44
